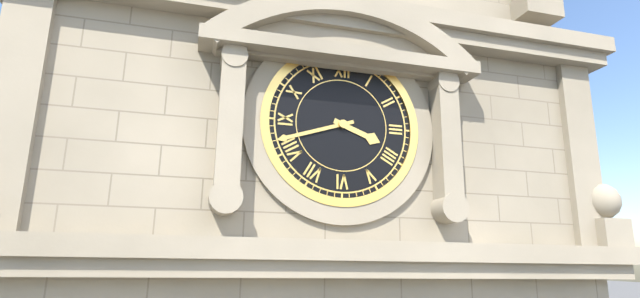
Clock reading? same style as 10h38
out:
3h42
